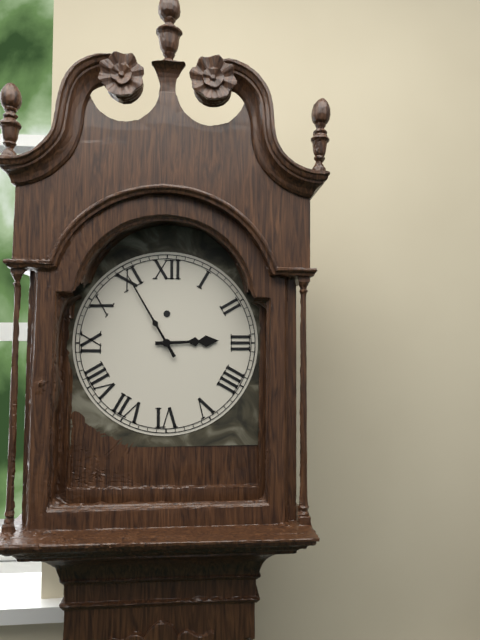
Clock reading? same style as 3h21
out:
2h55
